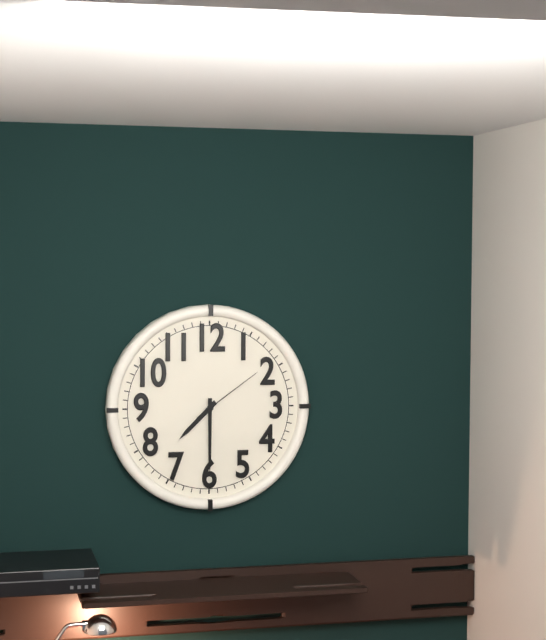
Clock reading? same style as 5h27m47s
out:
7h30m09s
